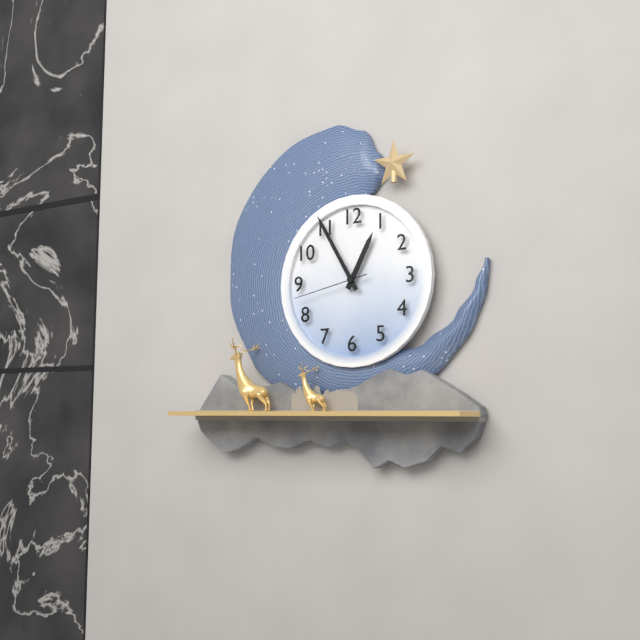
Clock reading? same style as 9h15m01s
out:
12h55m43s
